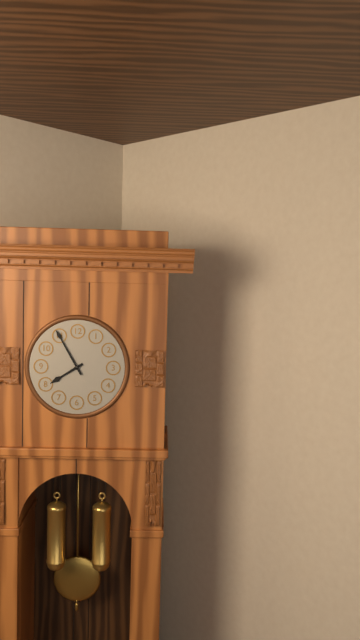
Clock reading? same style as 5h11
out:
7h55
